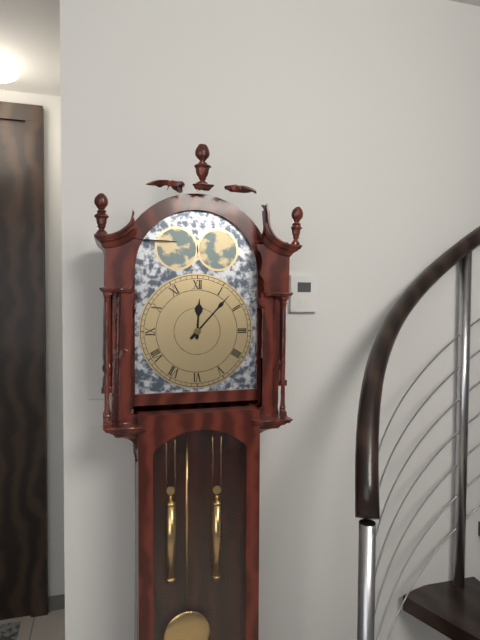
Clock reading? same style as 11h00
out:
12h07
